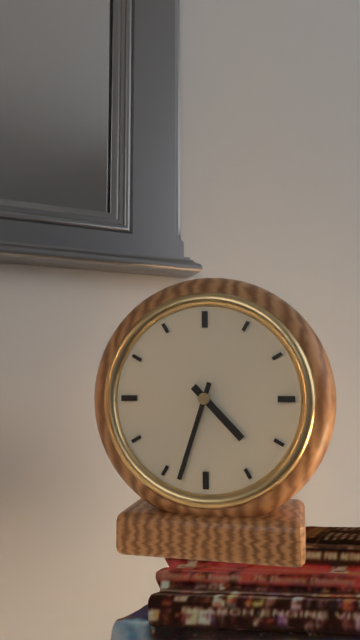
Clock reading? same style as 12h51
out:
4h33
